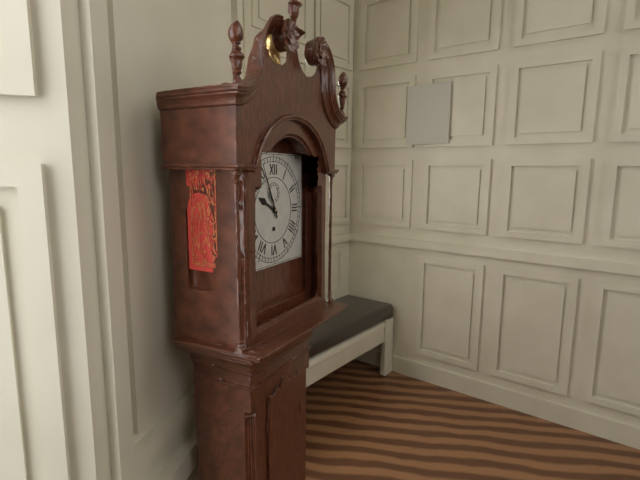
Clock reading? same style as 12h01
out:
9h56
